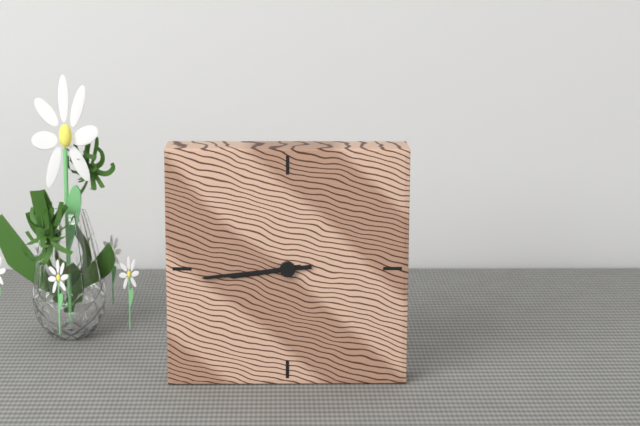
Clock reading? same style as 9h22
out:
8h44
